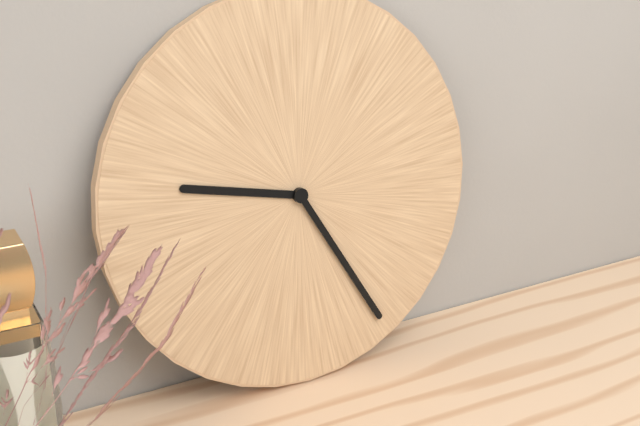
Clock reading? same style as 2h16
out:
9h25
